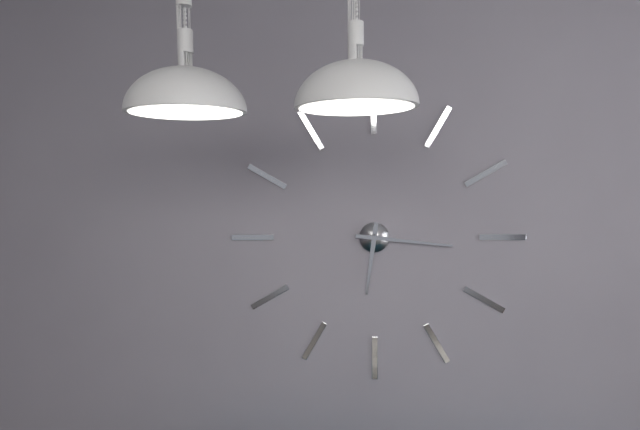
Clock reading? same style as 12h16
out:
6h16
